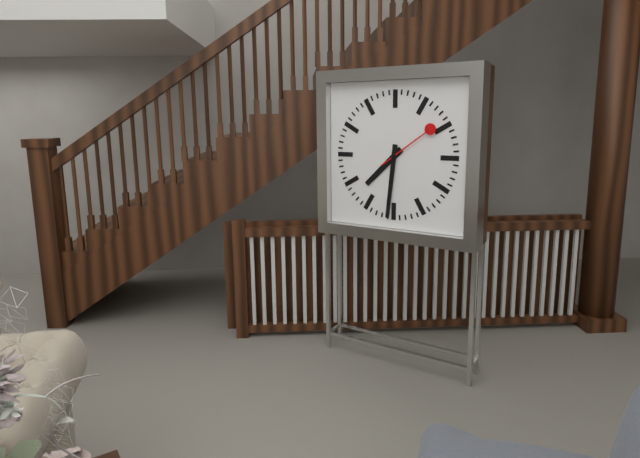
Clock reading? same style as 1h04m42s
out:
7h31m09s
